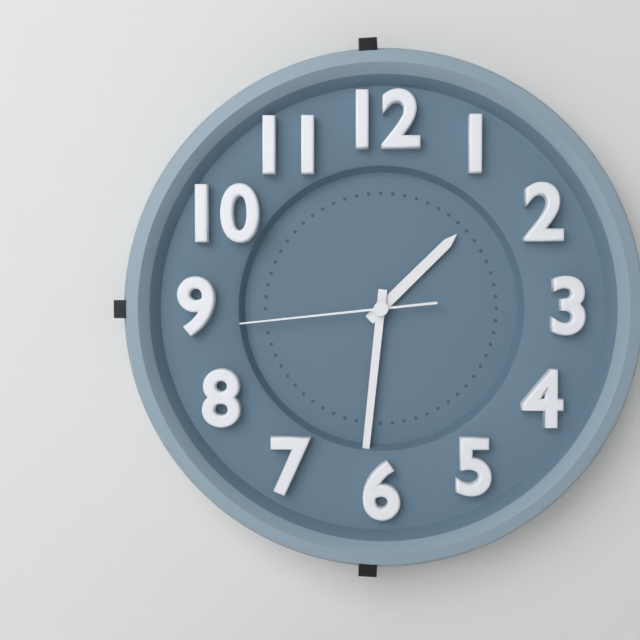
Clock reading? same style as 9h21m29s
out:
1h31m44s
